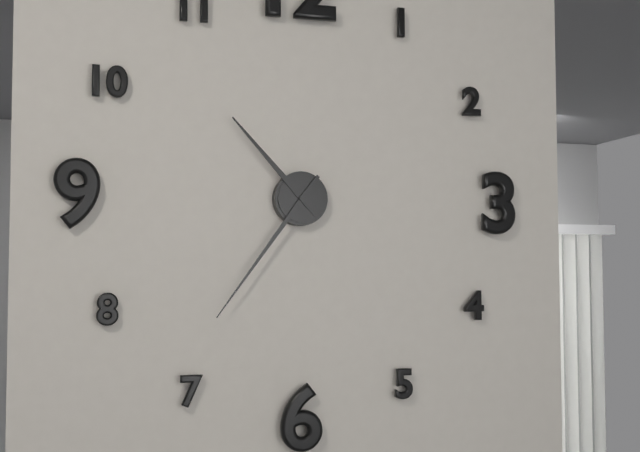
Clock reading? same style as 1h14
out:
10h36
